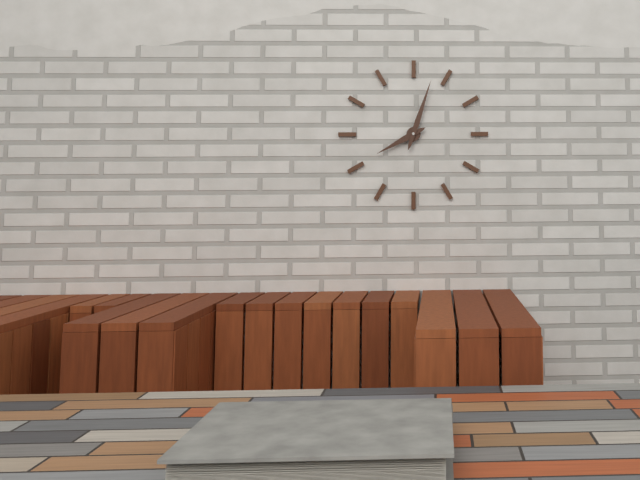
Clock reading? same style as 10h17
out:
8h03
